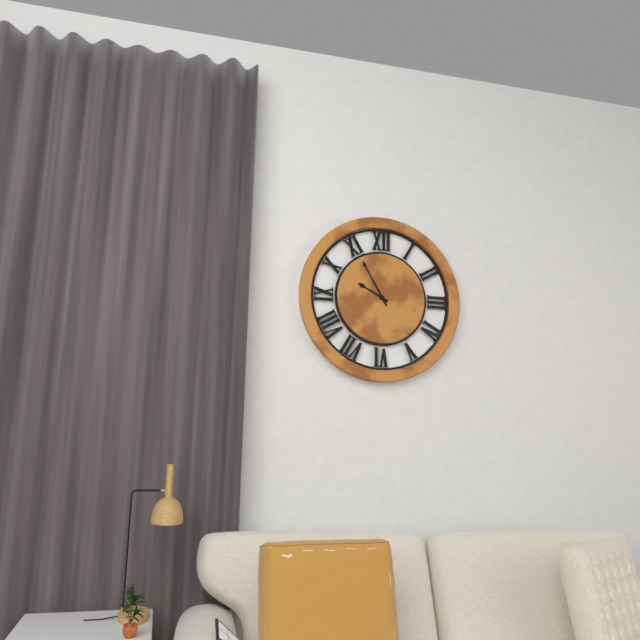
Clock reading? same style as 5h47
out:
9h55
